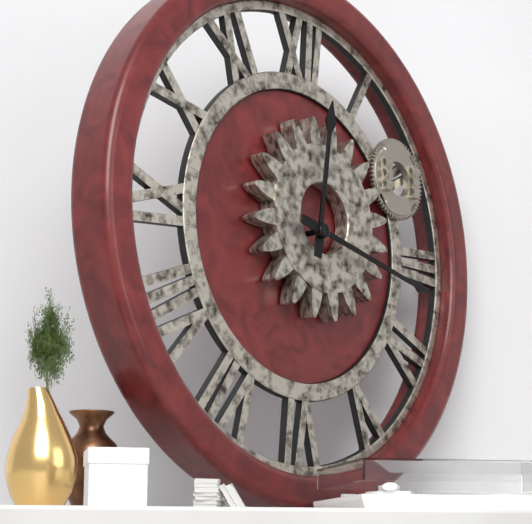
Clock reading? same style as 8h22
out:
12h17
